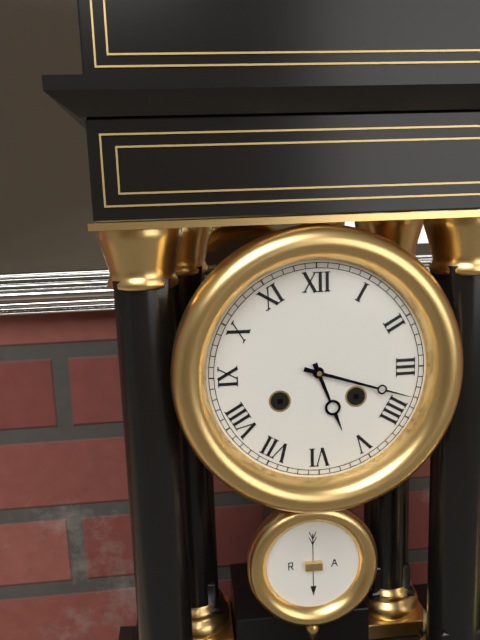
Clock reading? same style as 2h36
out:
5h18
